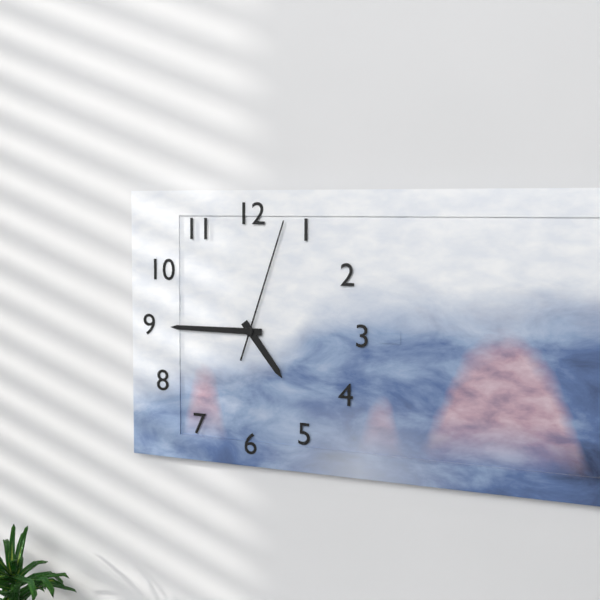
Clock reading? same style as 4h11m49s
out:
4h45m03s
